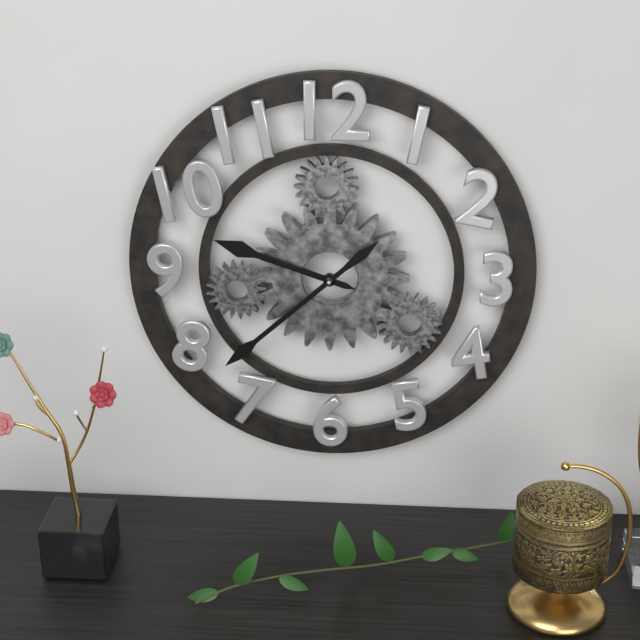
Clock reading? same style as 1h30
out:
9h38
